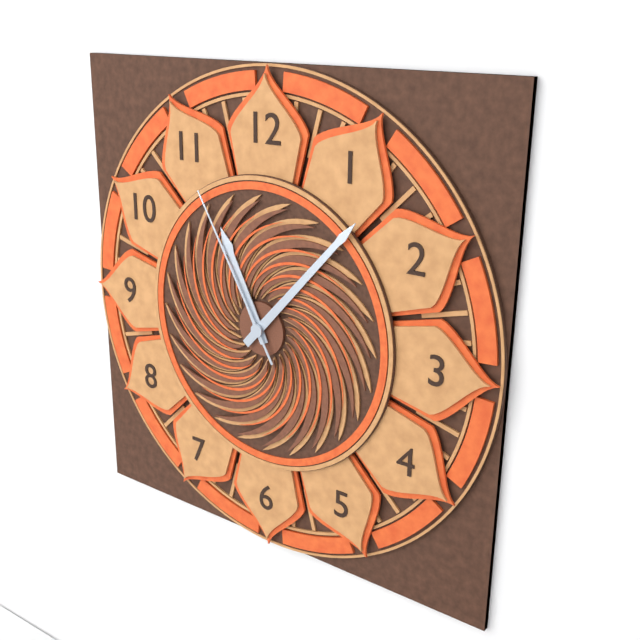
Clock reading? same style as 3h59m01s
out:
11h07m55s
